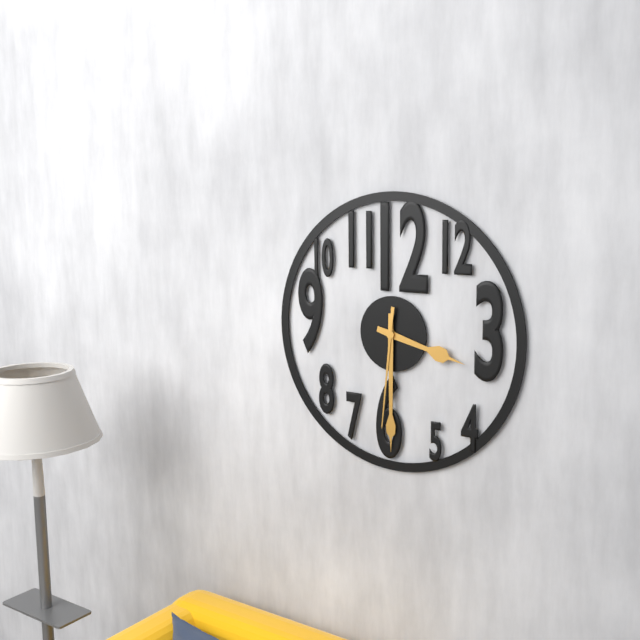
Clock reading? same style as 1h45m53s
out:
3h30m31s
